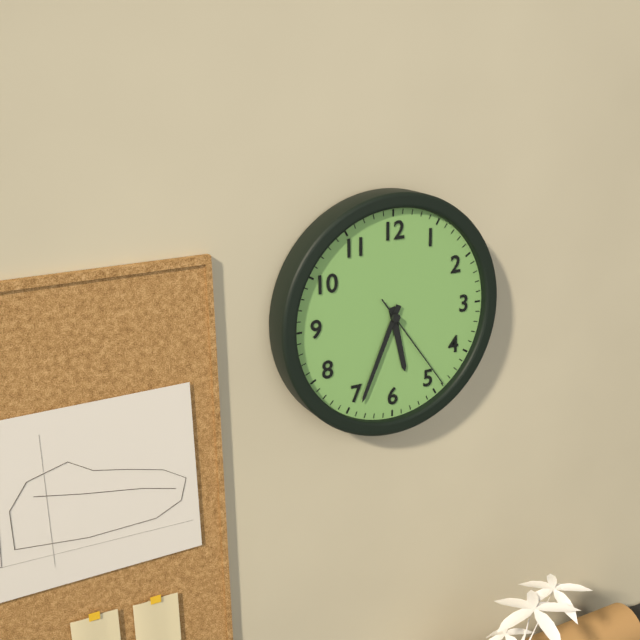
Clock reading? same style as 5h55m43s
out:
5h34m24s
